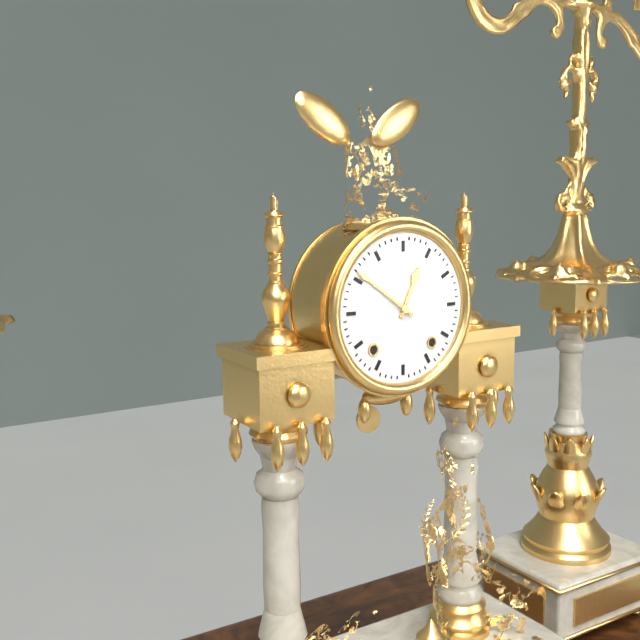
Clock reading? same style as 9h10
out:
12h51
